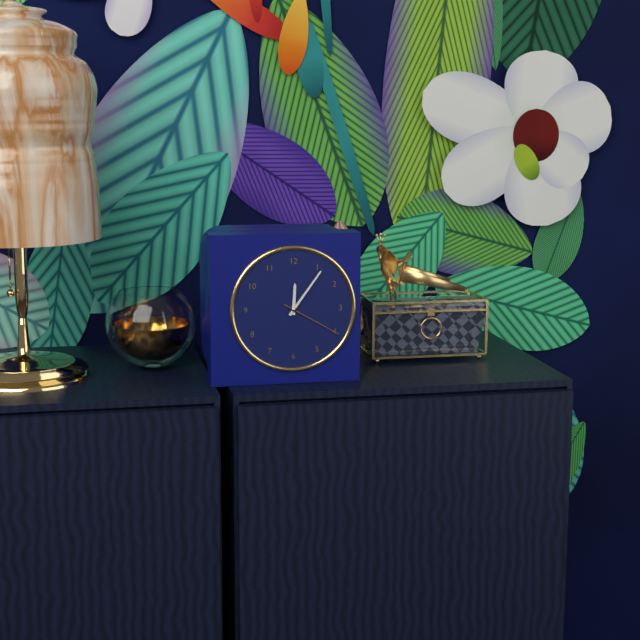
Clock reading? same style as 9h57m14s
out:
12h06m20s
